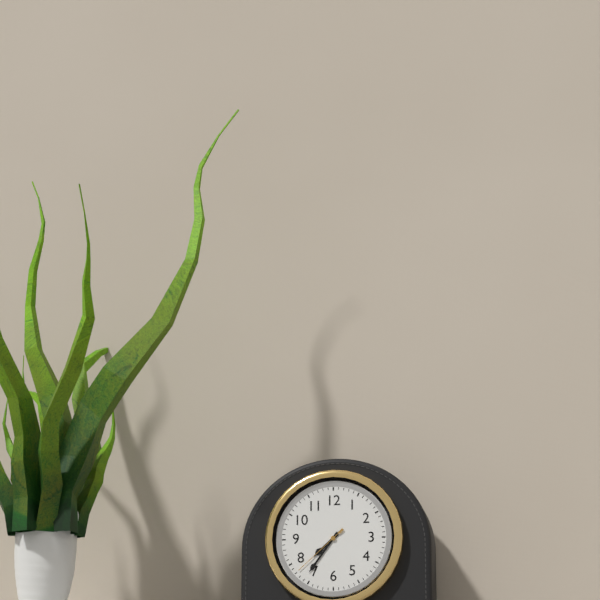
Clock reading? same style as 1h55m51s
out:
7h36m38s
